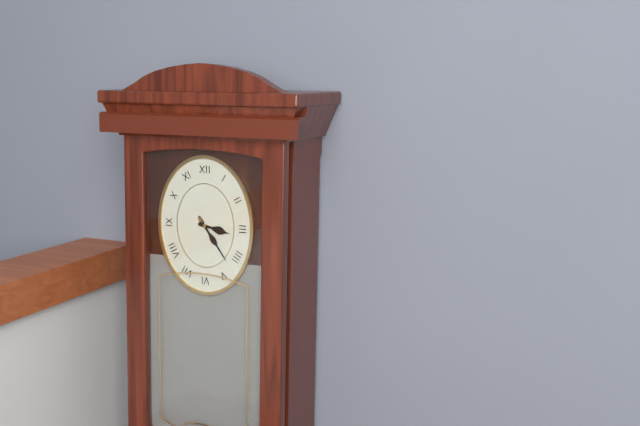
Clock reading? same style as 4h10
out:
3h24
